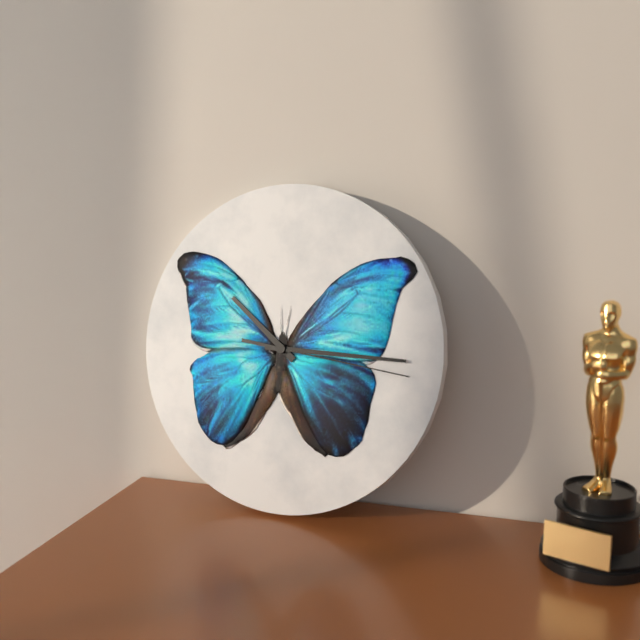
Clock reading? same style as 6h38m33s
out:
10h15m16s
